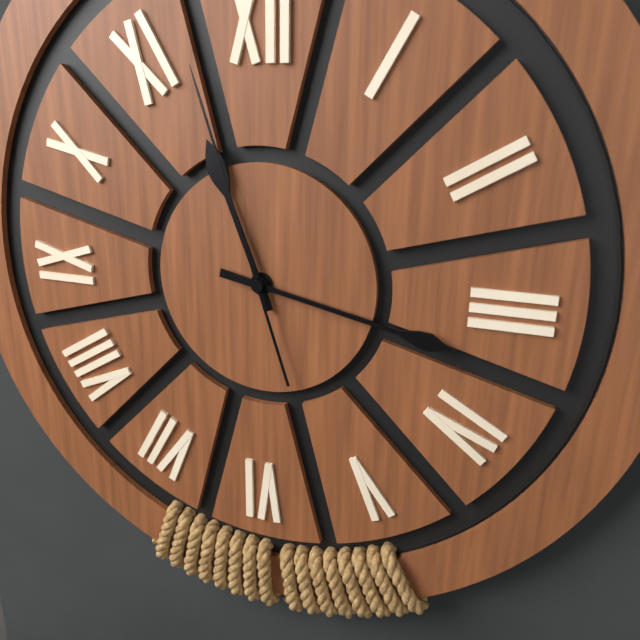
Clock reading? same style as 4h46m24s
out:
11h17m57s
